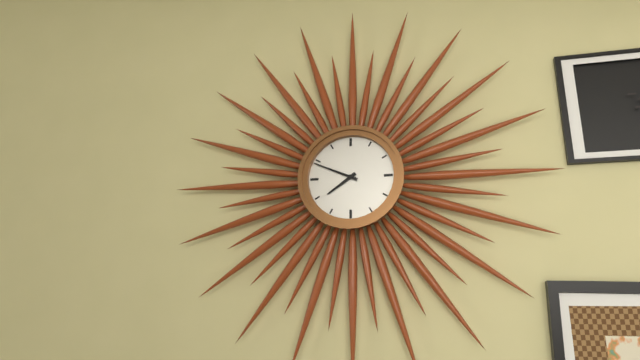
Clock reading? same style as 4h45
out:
7h49
